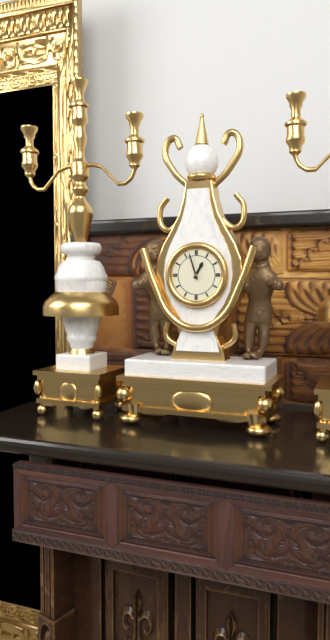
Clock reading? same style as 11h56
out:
12h57
